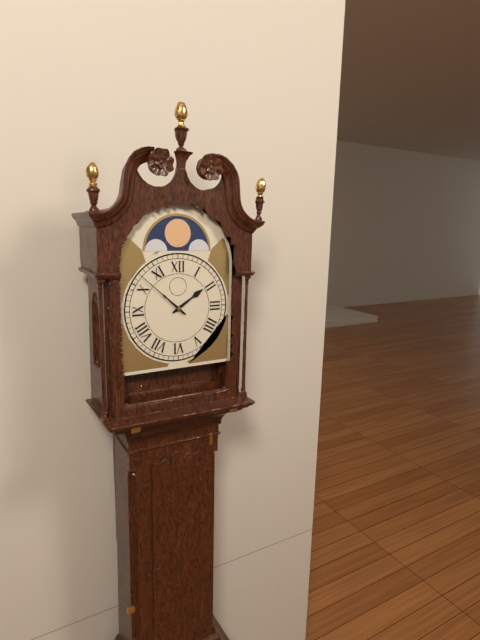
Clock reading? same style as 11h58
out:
1h52
